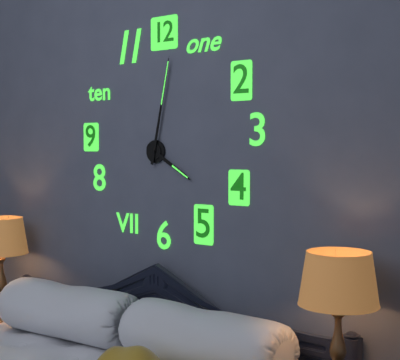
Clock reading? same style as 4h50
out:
4h02
